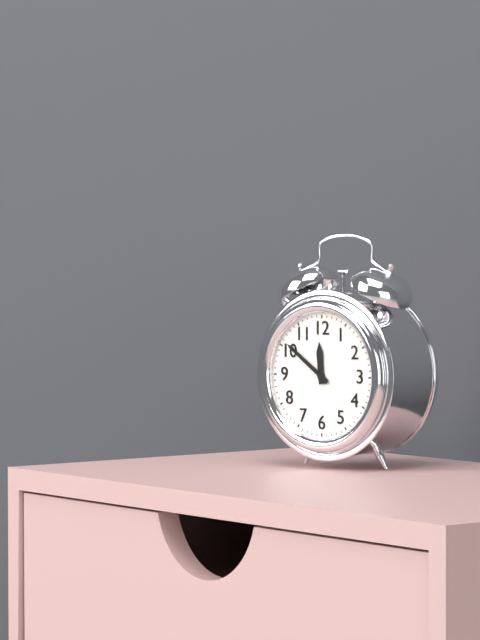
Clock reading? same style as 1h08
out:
11h51
